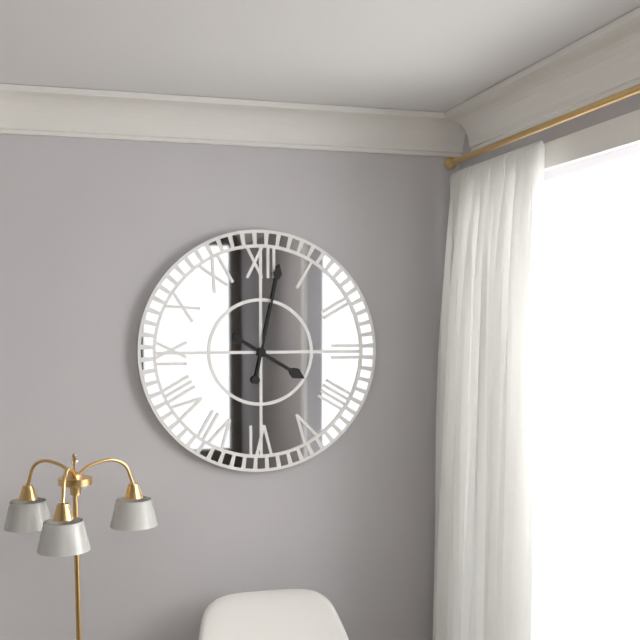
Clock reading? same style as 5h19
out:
4h02
